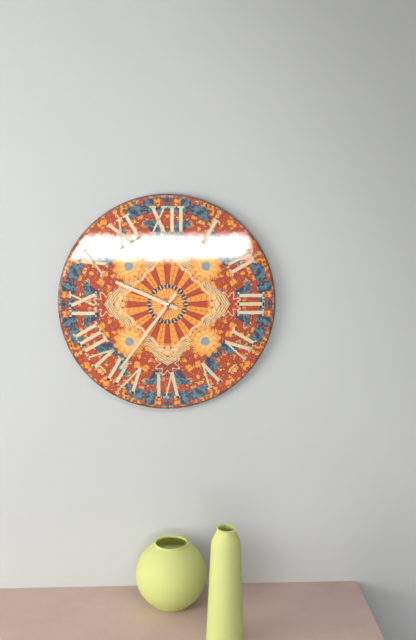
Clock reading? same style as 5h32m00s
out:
9h49m36s
